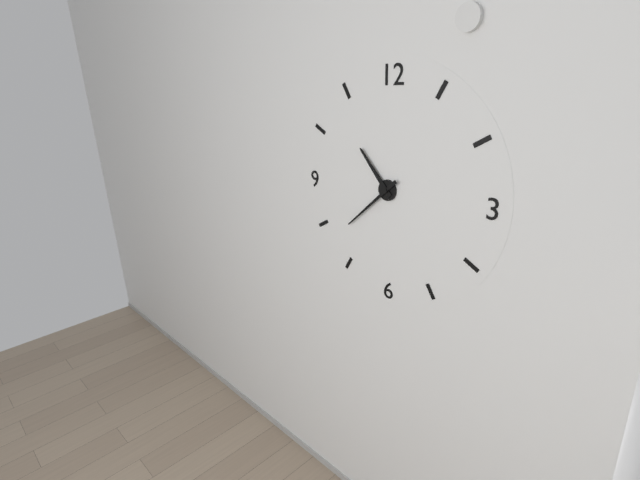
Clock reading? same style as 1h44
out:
10h38
